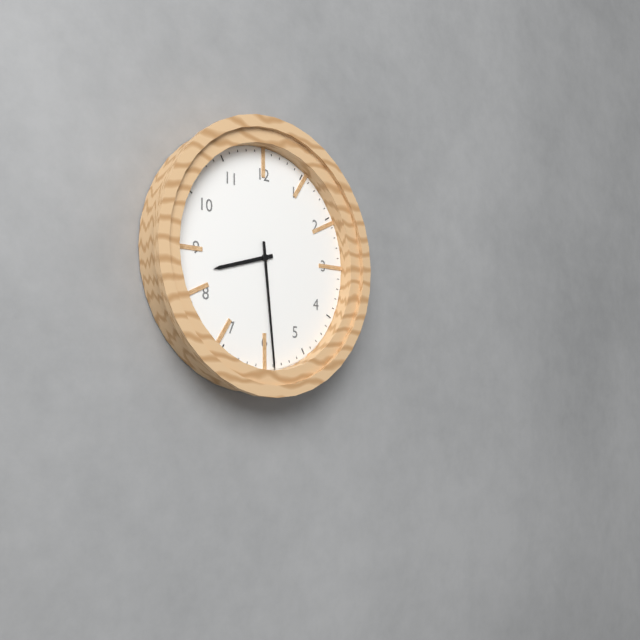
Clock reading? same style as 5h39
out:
8h29
